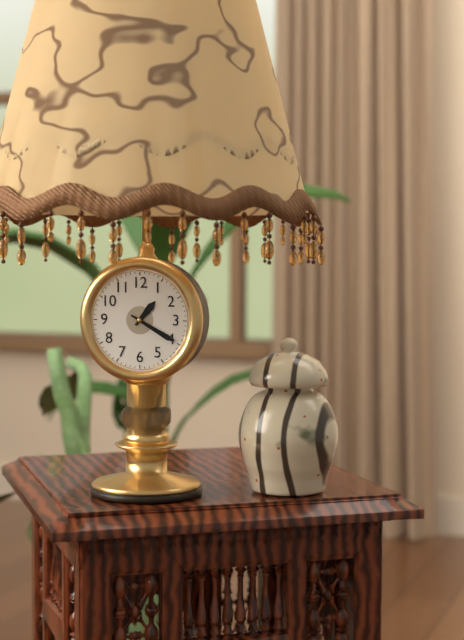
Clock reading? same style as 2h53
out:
1h20
